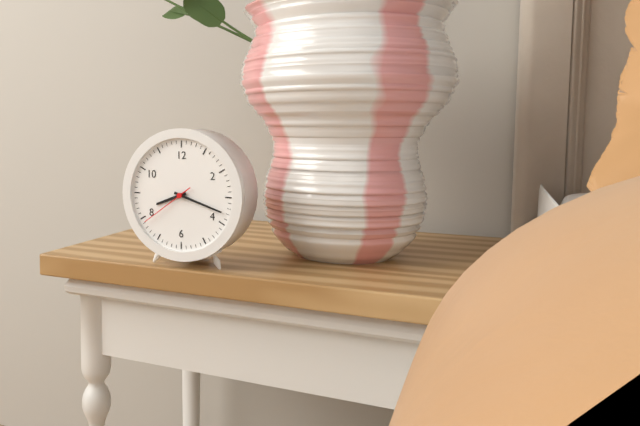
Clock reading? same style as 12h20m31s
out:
8h18m39s
